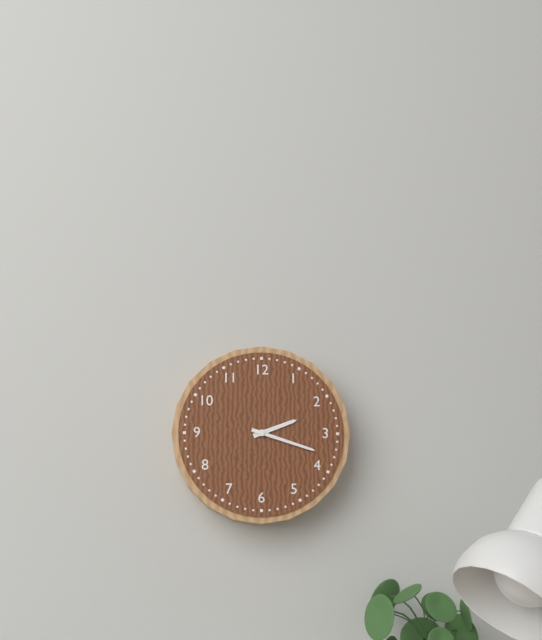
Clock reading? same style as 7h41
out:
2h18
